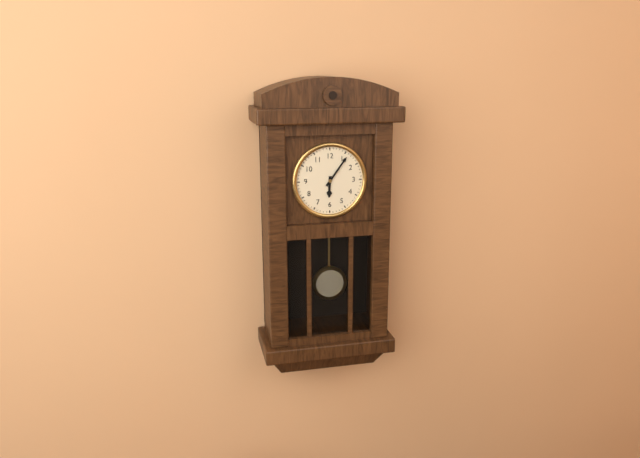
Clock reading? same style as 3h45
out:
6h06
